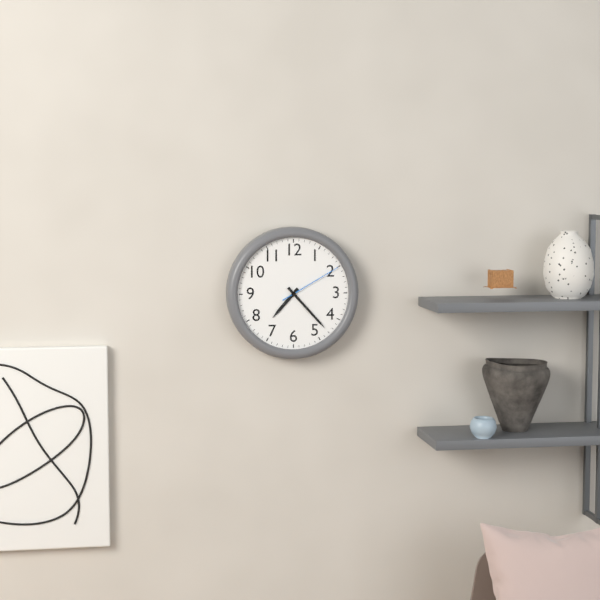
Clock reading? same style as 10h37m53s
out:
7h23m10s
